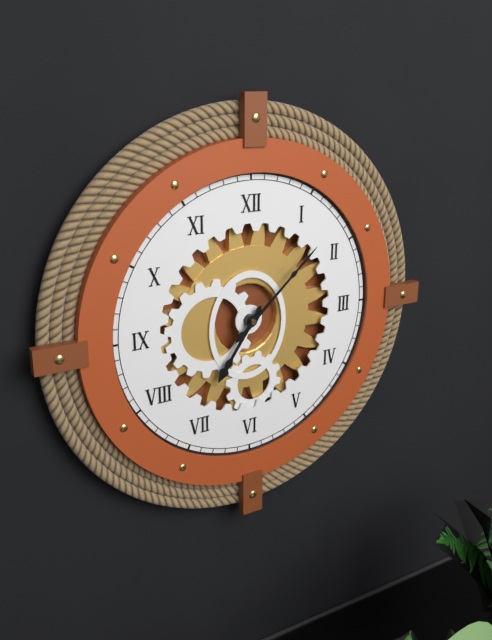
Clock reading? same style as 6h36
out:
7h08
